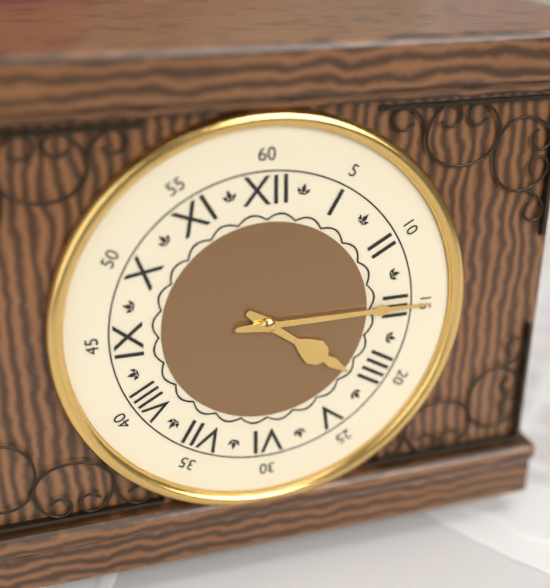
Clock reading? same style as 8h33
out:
4h15
